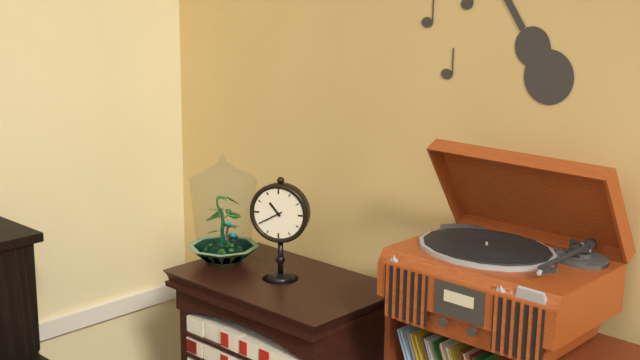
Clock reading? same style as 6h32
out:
10h40
